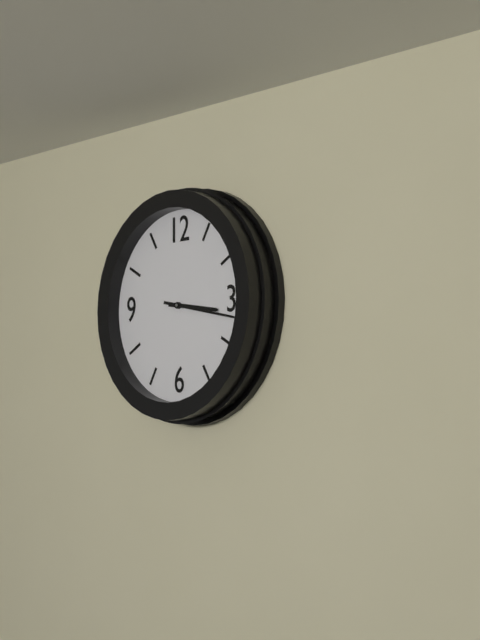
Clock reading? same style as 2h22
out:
3h17
